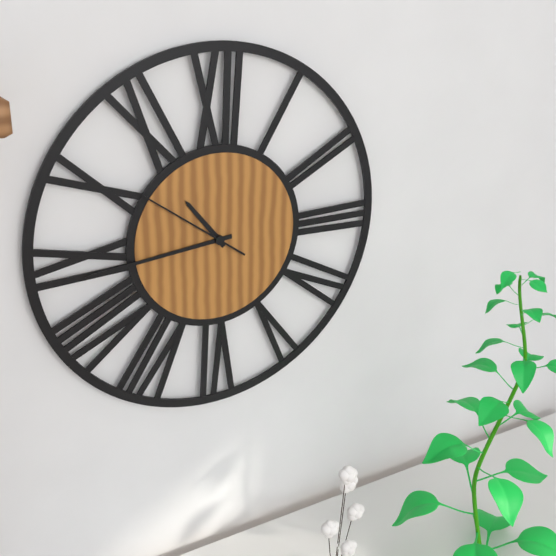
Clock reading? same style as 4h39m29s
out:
10h44m51s
